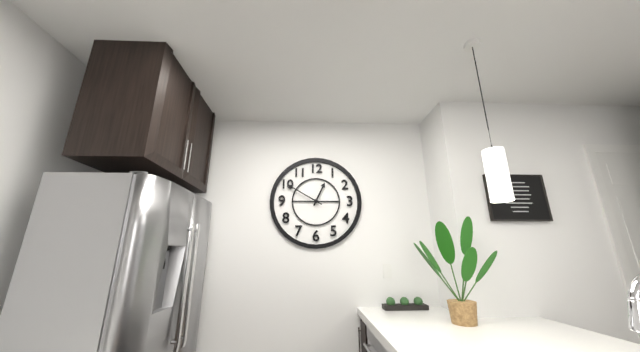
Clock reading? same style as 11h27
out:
12h50
